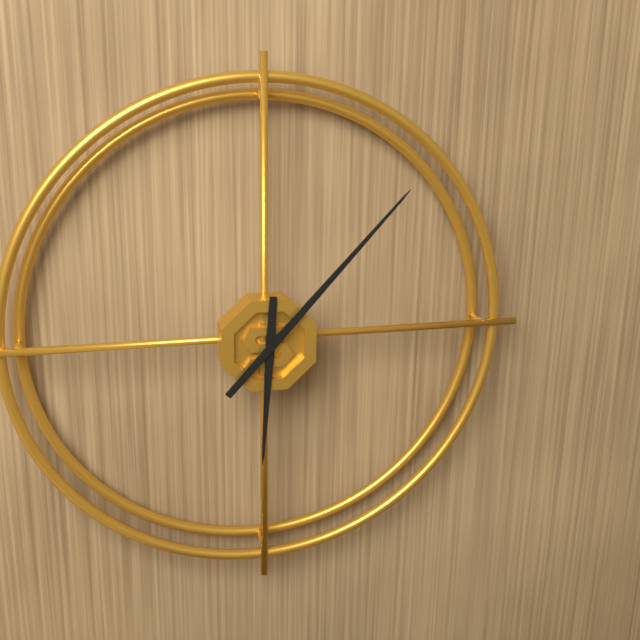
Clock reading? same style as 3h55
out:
6h07
